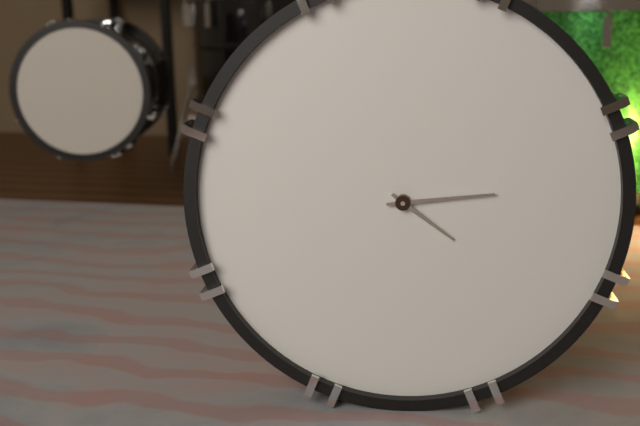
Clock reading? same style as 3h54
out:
4h14
